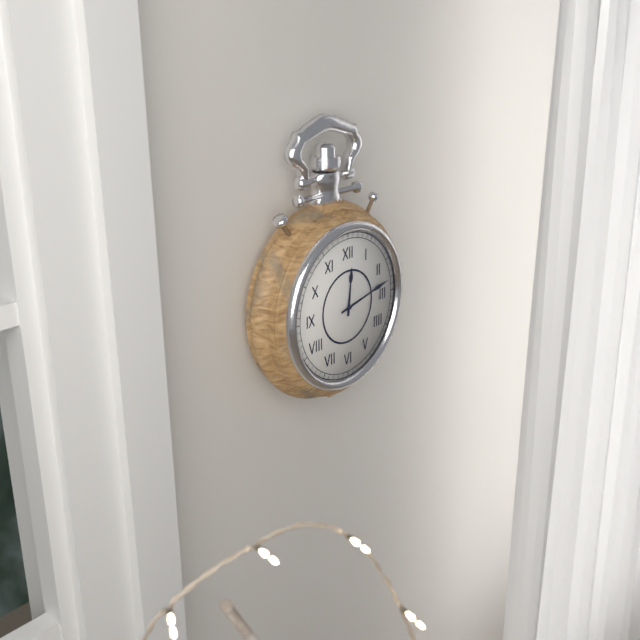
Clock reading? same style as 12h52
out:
12h13
